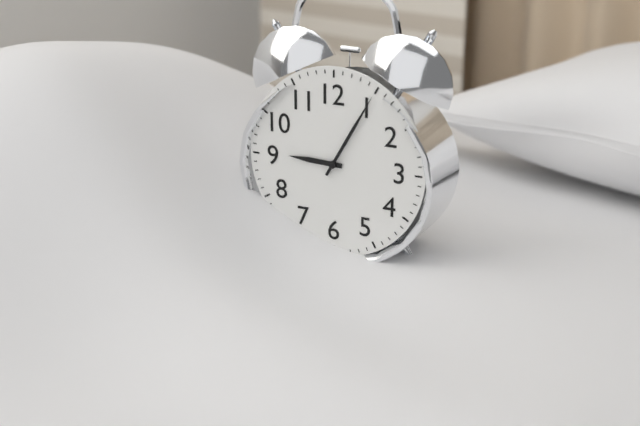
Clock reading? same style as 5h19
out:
9h05
